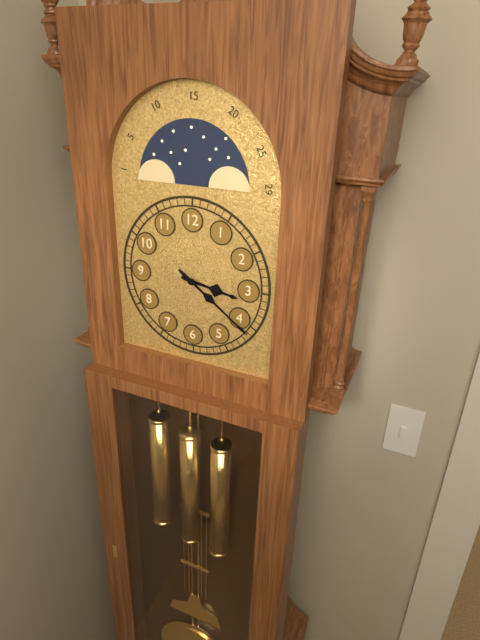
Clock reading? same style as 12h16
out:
3h21
